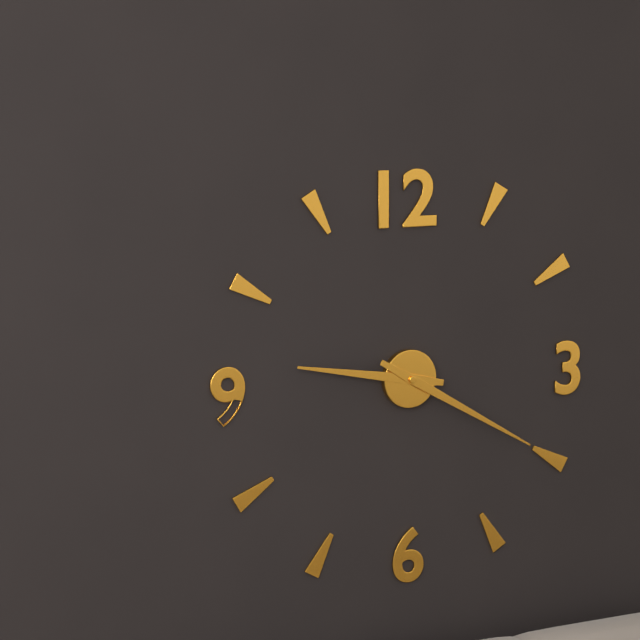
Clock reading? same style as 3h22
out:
9h20
